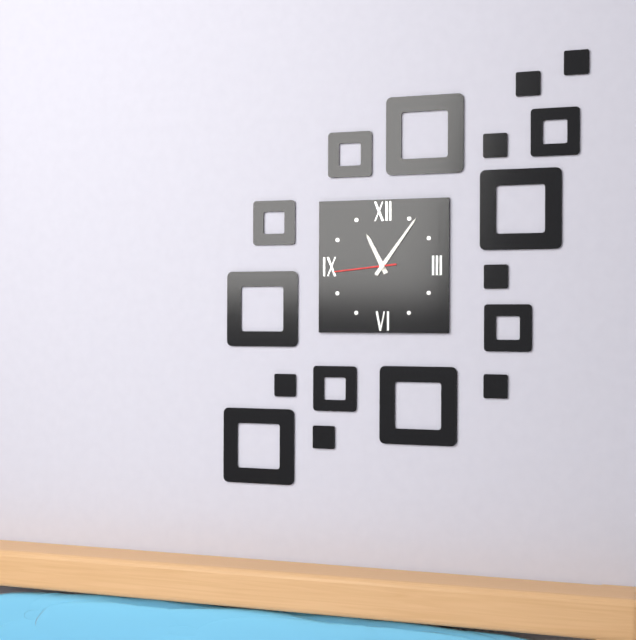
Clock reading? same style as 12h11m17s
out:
11h06m44s
